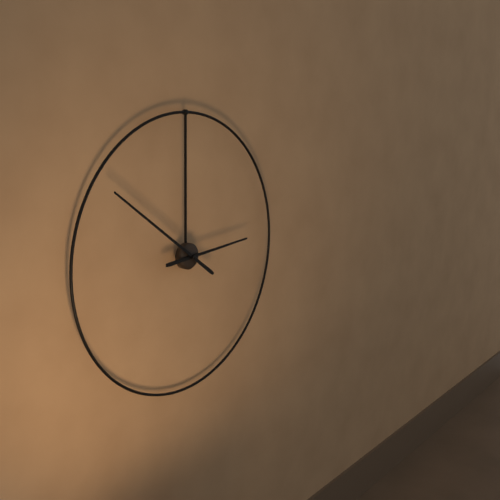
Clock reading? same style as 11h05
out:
2h51
